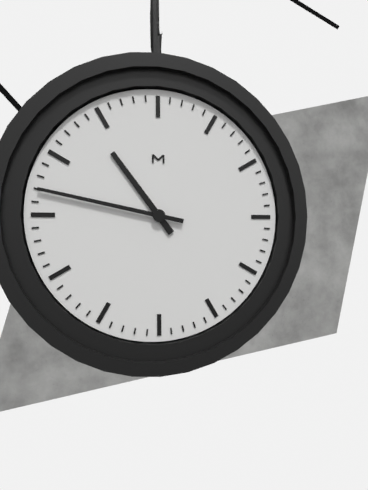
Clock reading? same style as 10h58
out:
10h47
